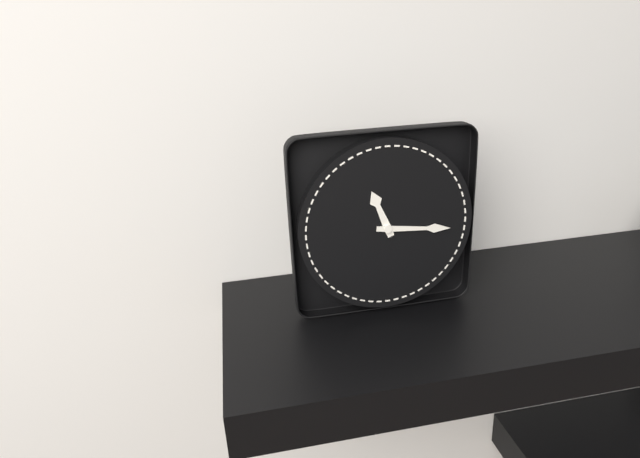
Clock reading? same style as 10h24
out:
11h16
